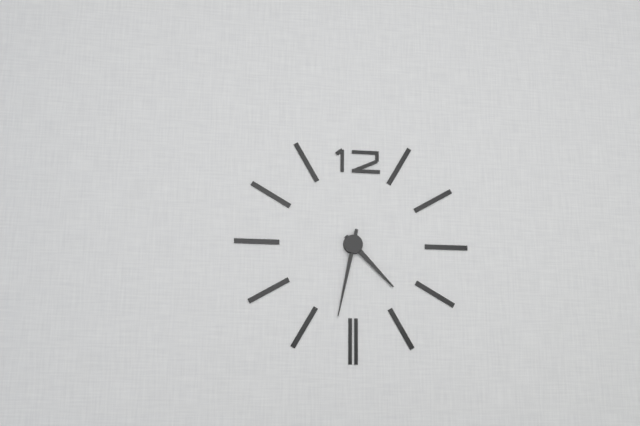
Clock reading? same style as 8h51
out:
4h32
